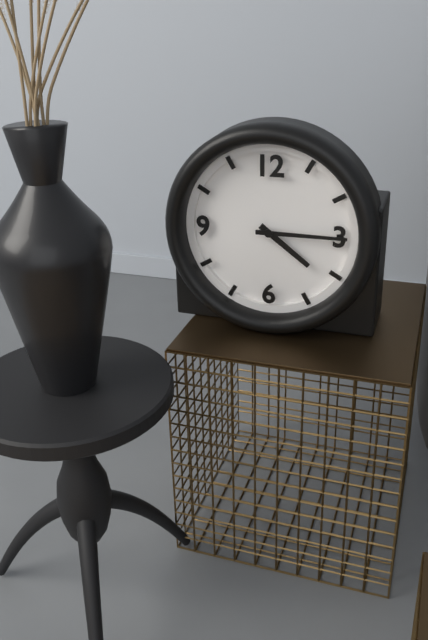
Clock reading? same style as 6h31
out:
4h15
